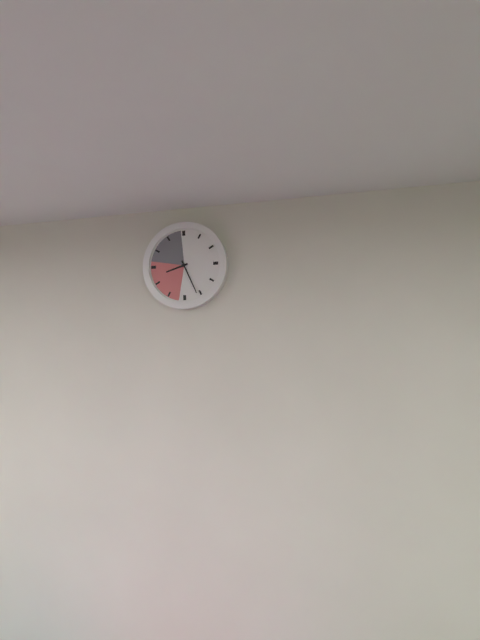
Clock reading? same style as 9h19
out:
8h26
